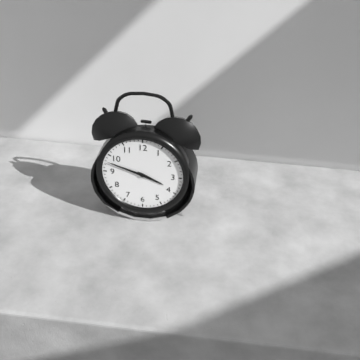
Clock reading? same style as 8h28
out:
3h48
